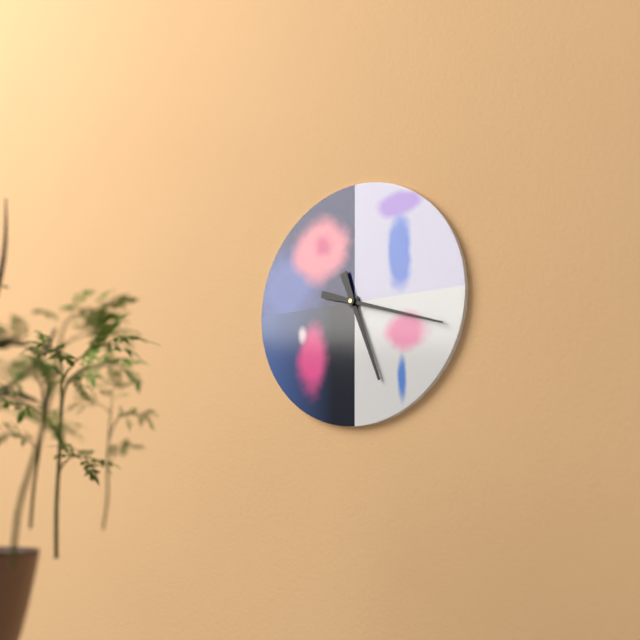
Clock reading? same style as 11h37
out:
5h18
